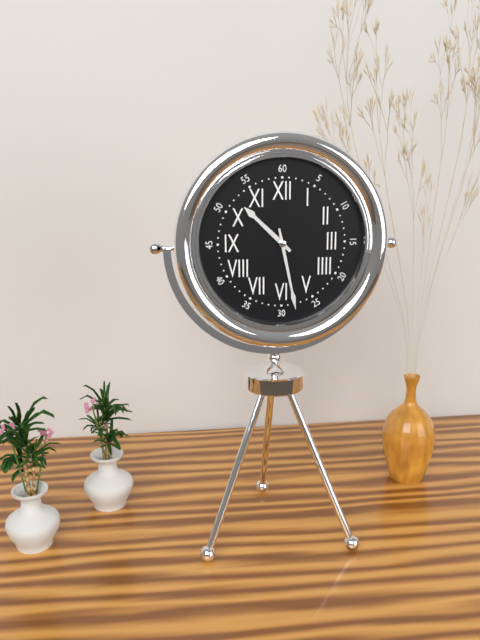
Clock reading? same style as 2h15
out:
10h28
